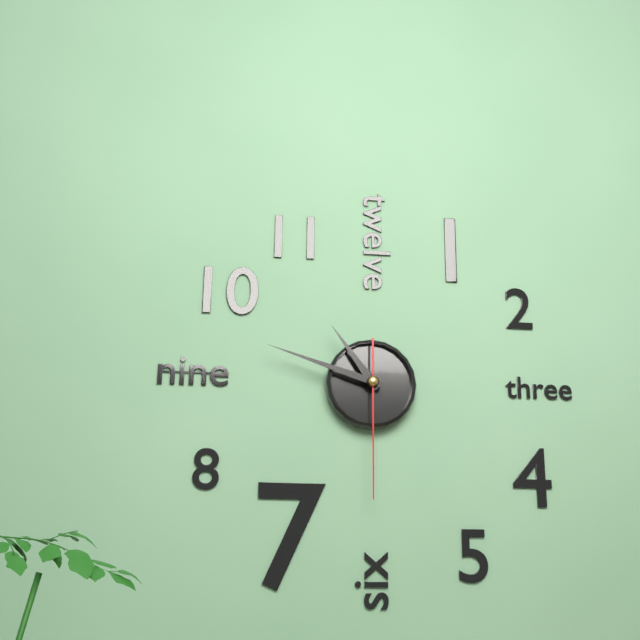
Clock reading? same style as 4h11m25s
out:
10h48m30s
